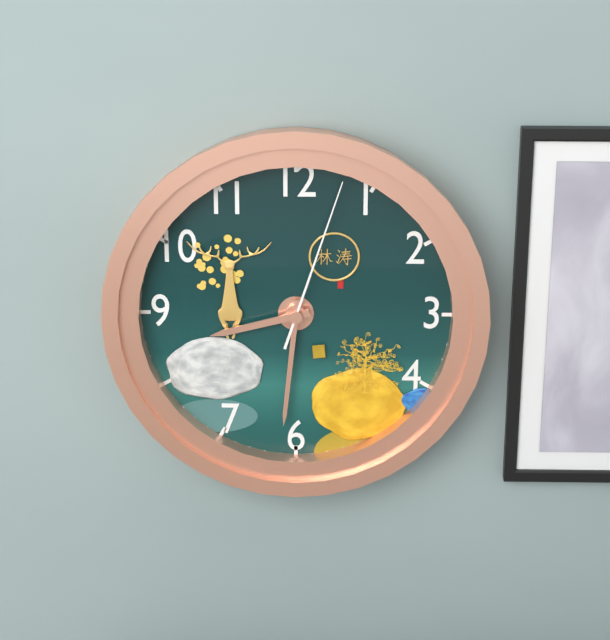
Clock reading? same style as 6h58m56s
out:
8h31m03s
